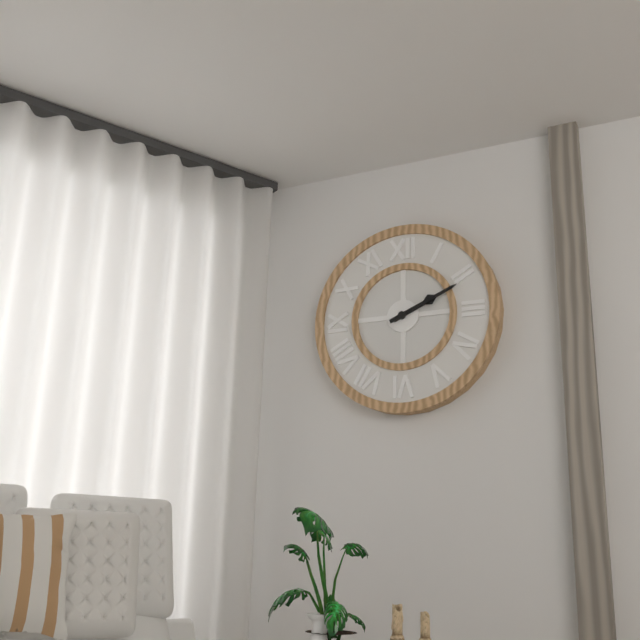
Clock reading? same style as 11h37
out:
2h11
